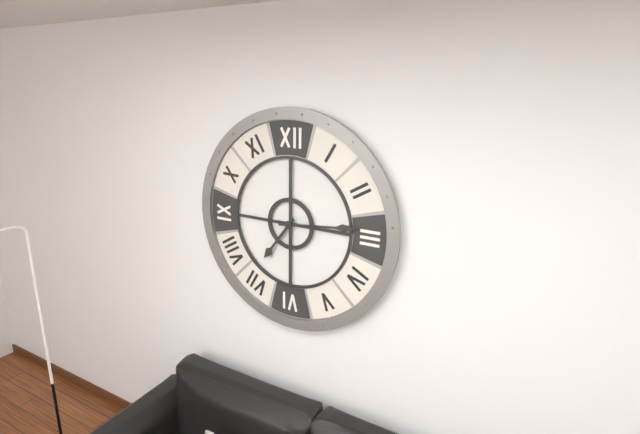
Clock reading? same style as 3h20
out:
7h14
